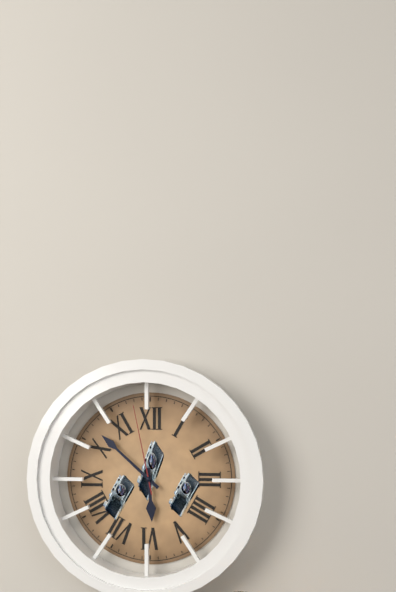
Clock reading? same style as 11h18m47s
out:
5h52m58s
